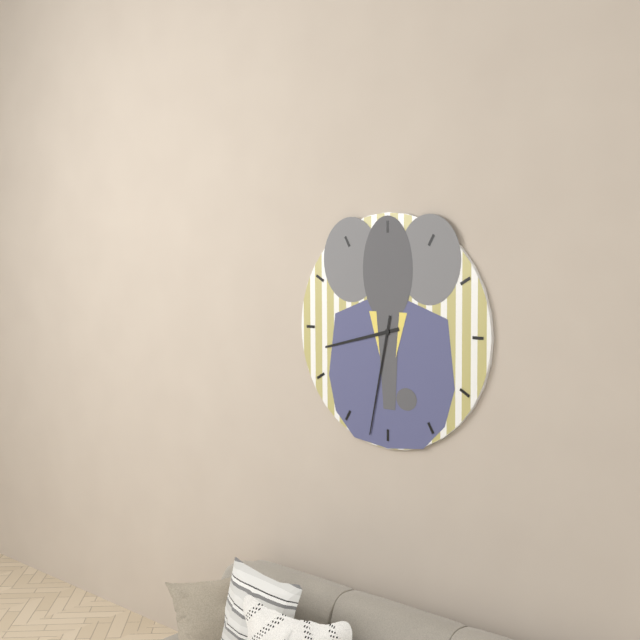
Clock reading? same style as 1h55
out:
8h32
